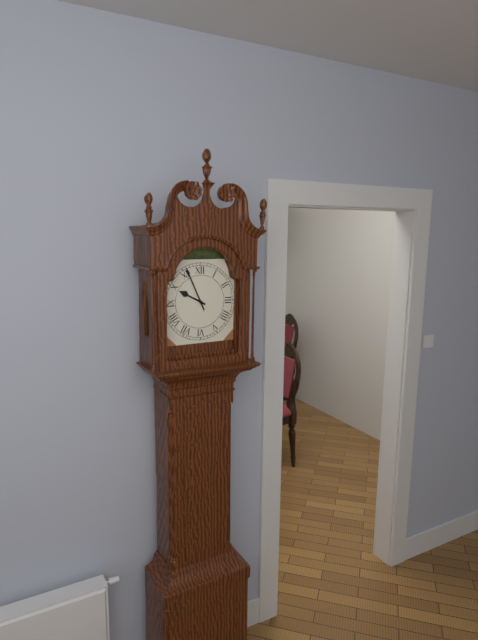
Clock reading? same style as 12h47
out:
9h56
